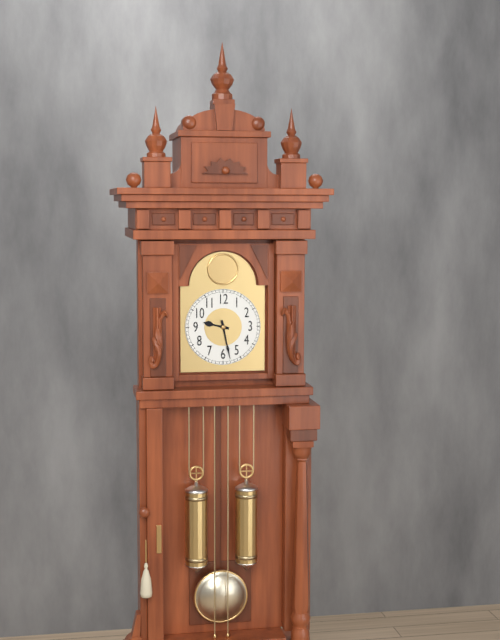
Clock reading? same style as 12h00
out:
9h28
